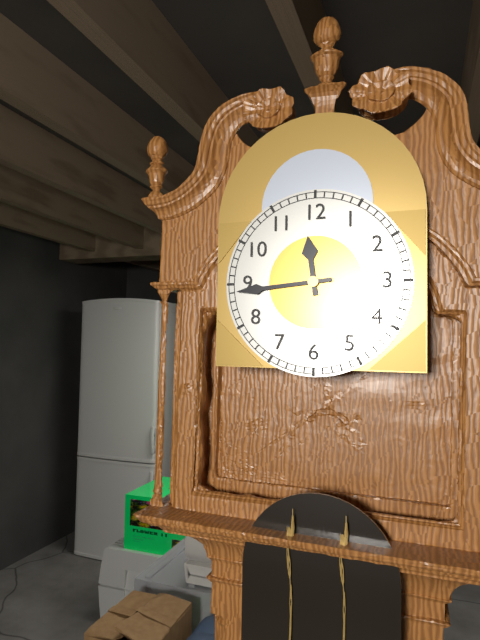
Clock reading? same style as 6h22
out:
11h44
